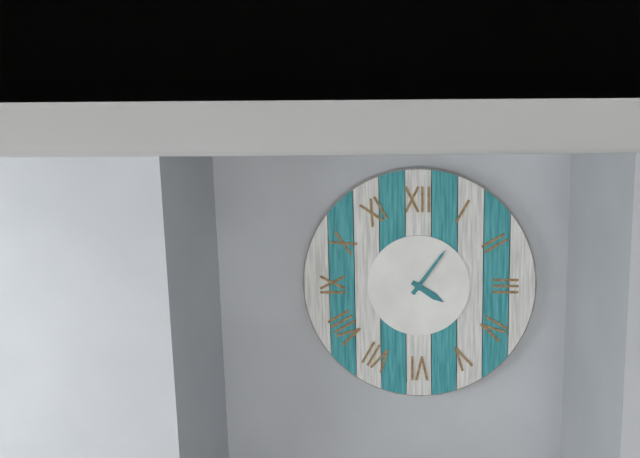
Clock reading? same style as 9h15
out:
4h06
